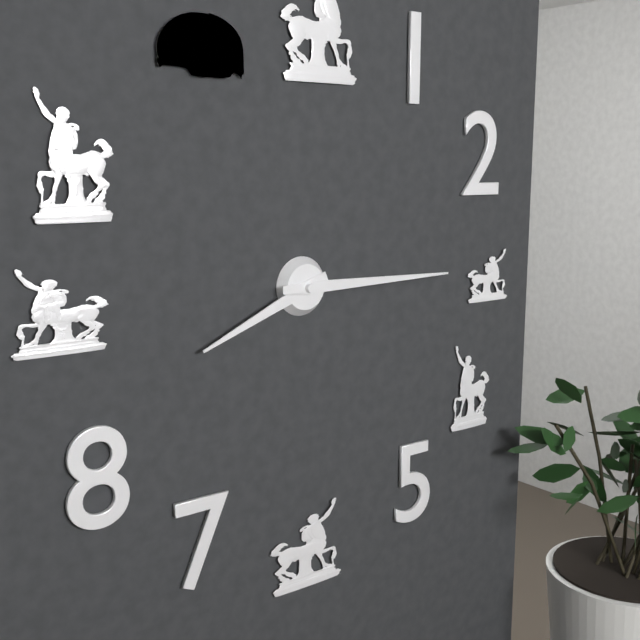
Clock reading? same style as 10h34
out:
8h15
